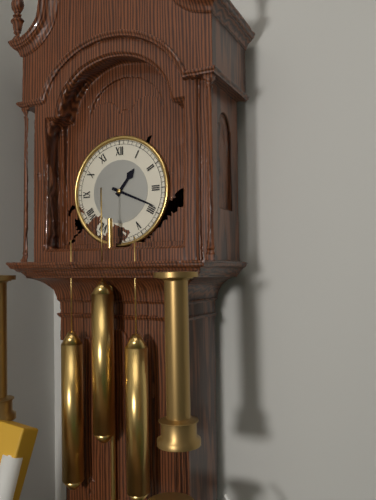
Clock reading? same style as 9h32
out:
1h19
